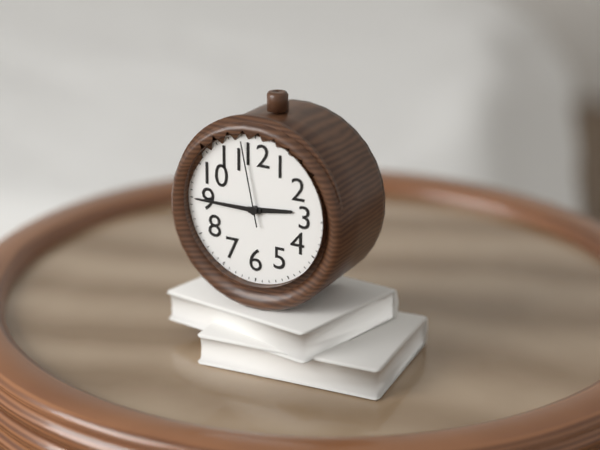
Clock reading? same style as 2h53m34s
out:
2h45m58s
